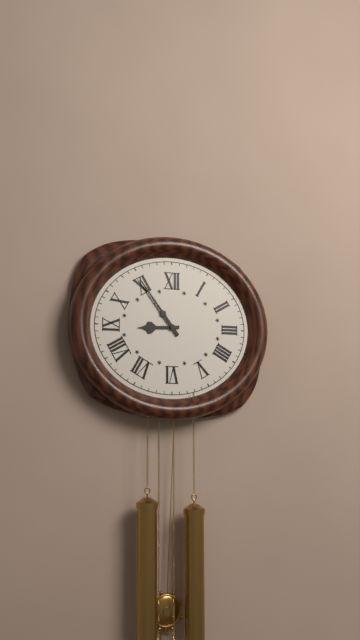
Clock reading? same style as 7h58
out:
8h54
